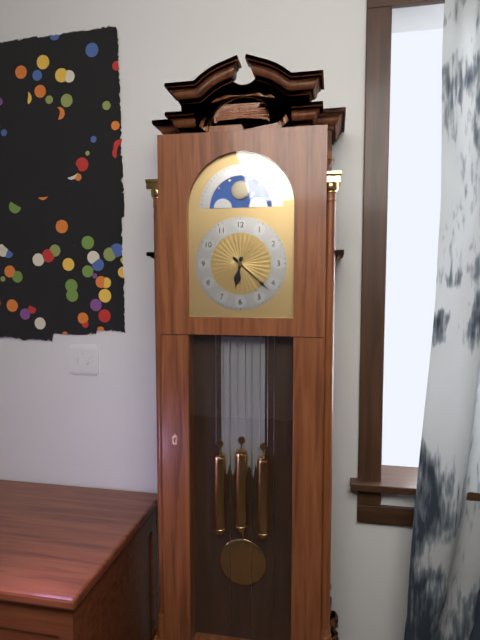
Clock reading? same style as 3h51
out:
6h22
